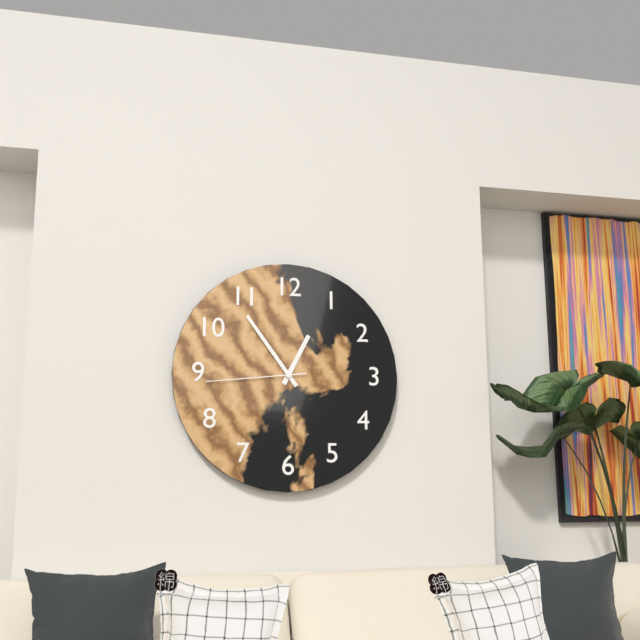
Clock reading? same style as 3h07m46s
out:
12h54m44s
